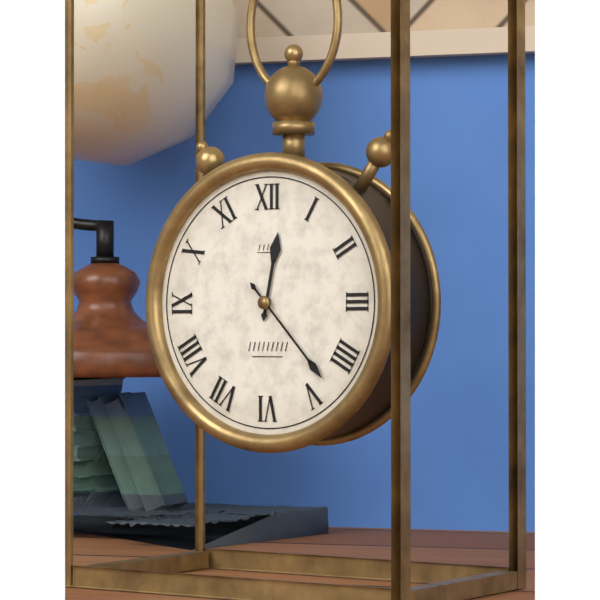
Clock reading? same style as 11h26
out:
12h23
